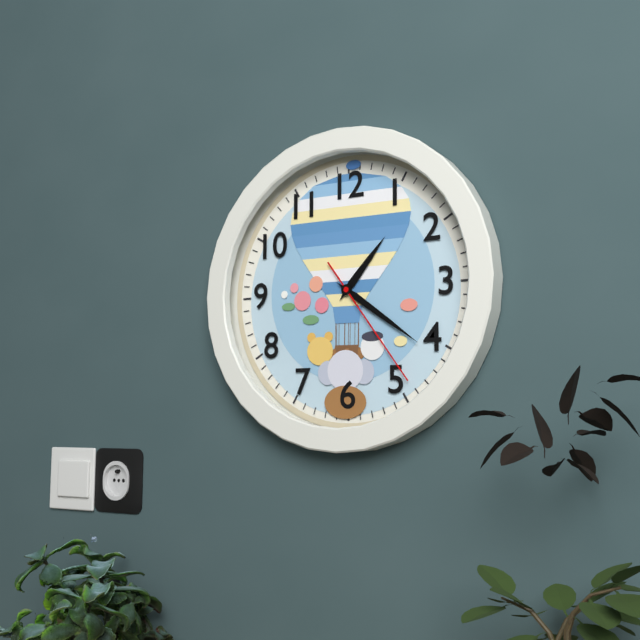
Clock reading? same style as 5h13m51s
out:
1h21m24s
